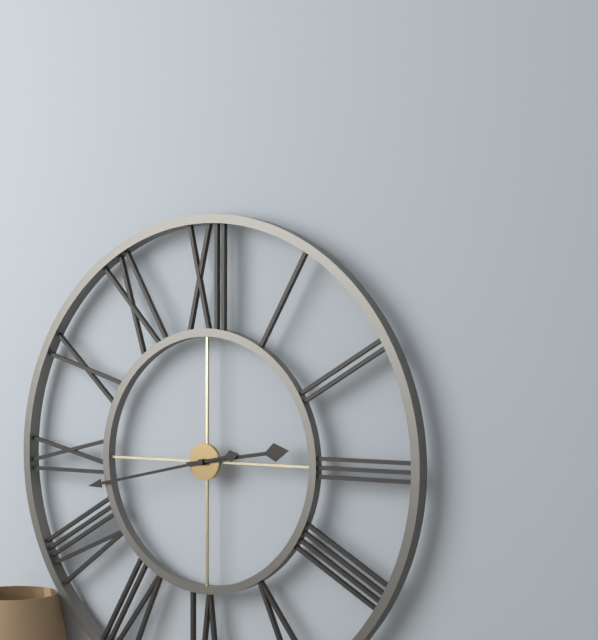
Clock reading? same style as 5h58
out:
2h43
